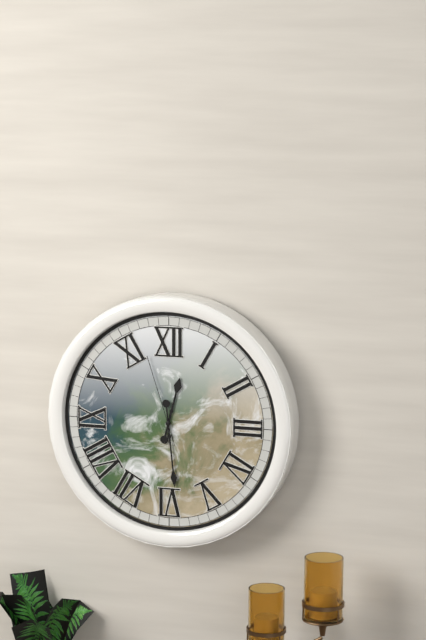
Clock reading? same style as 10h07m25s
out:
12h29m57s
